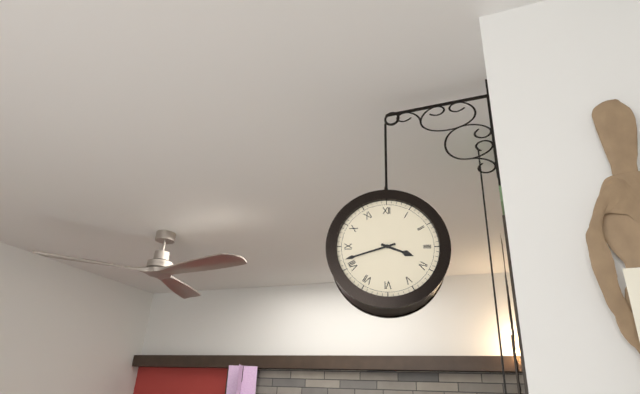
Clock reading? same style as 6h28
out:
3h42
